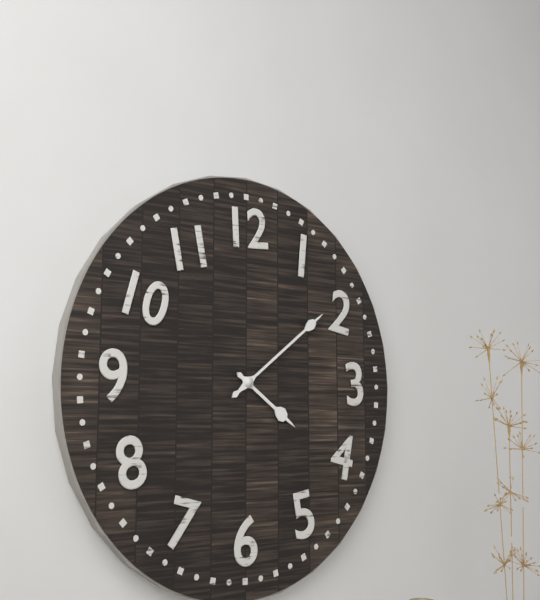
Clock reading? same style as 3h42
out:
4h09
